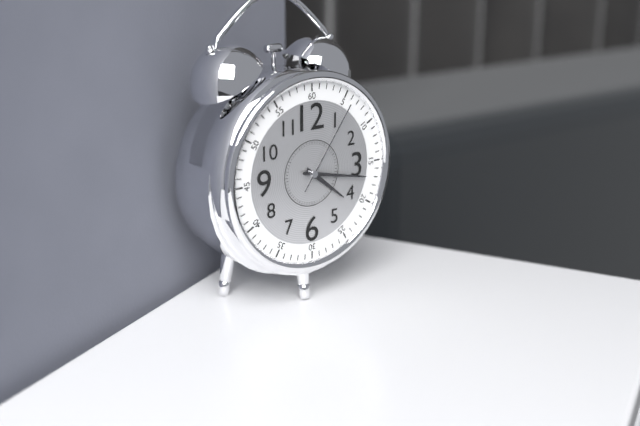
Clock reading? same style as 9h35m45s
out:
4h17m06s
